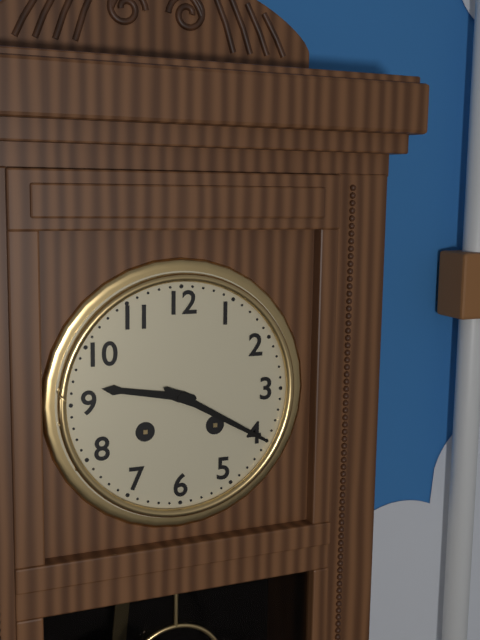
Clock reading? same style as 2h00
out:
9h20
